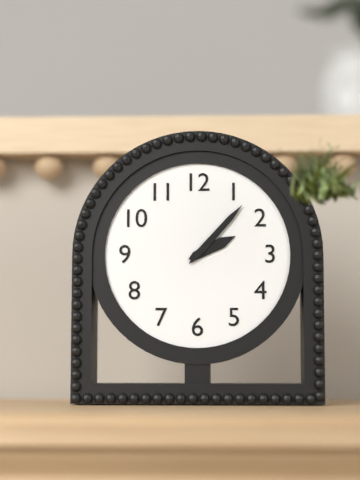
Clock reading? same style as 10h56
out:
2h07
